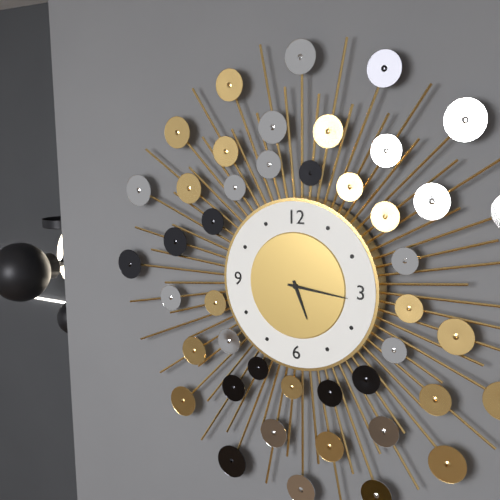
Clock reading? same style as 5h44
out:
5h16
